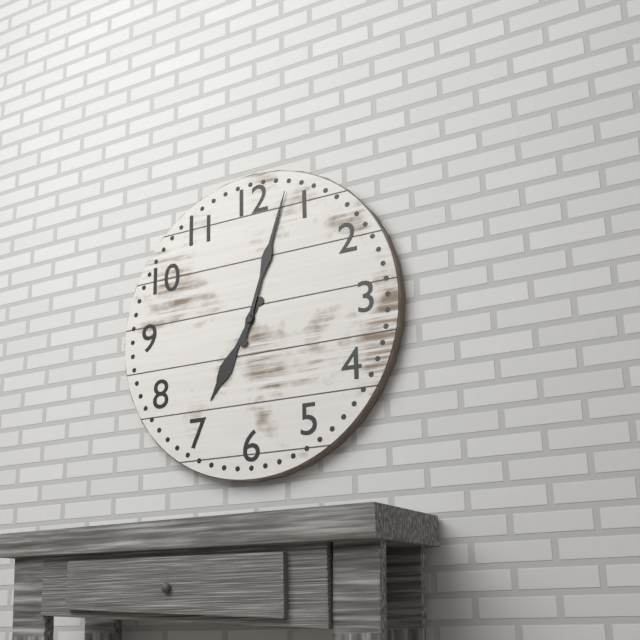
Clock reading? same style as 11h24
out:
7h03
